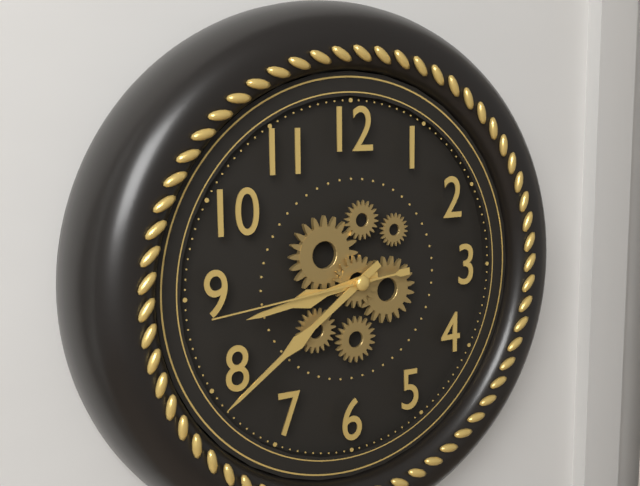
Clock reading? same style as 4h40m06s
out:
8h39m44s
